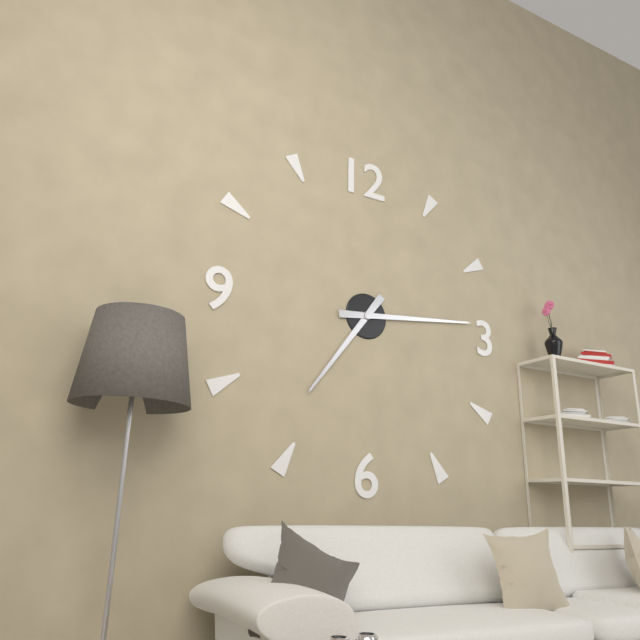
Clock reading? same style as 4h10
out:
7h14
